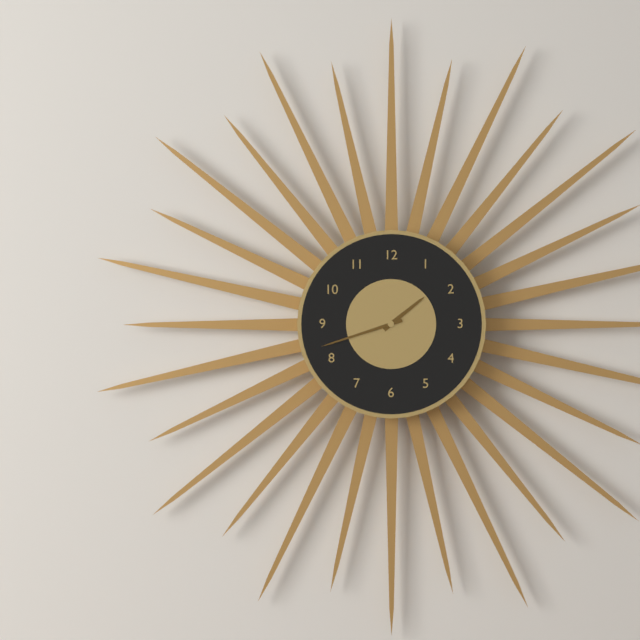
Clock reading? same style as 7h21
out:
1h42
